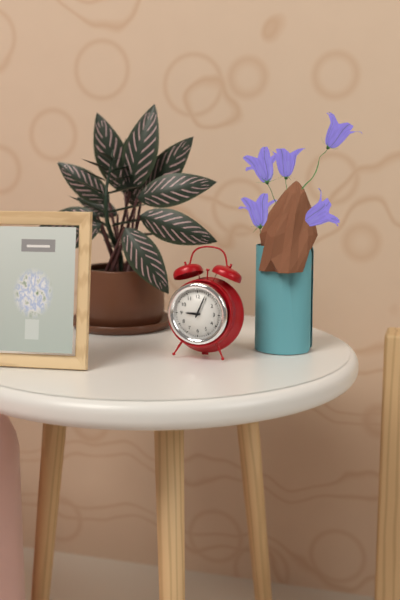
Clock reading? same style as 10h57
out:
9h04
